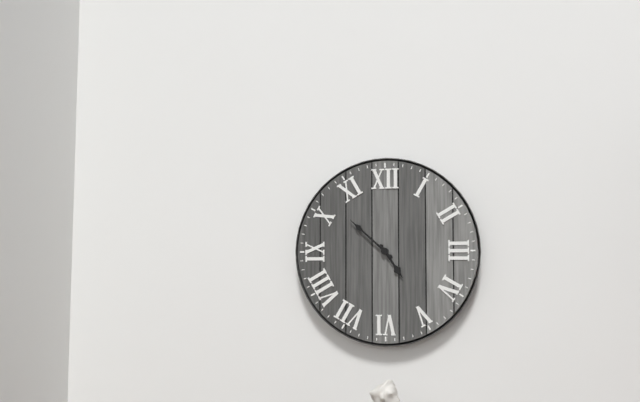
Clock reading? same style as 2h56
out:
4h52
